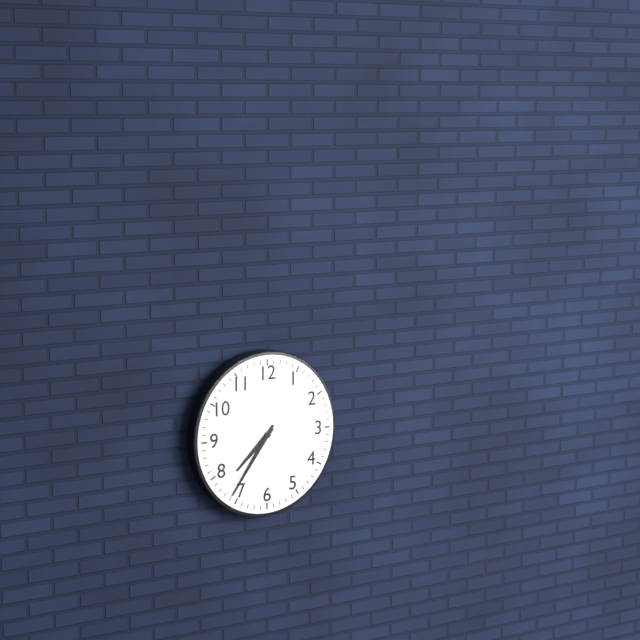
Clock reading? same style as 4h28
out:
7h36
